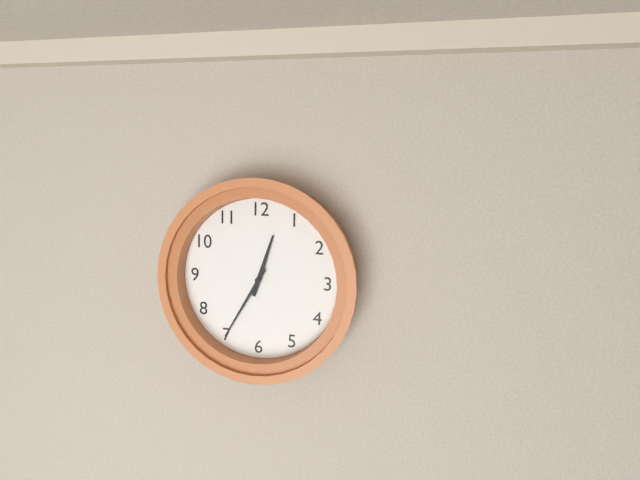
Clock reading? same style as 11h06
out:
12h35
